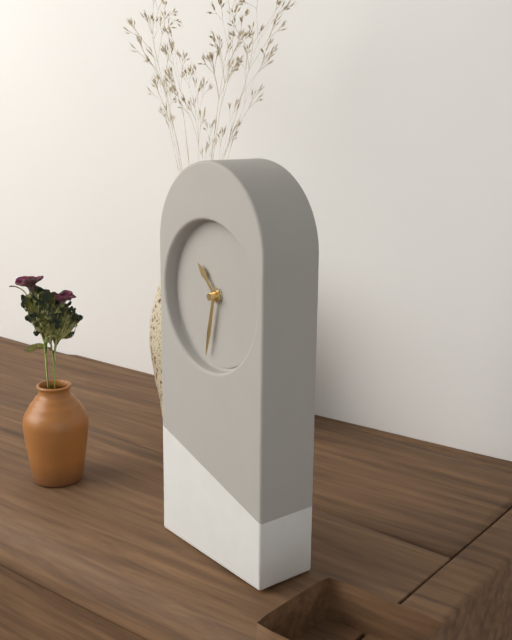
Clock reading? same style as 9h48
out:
10h32
